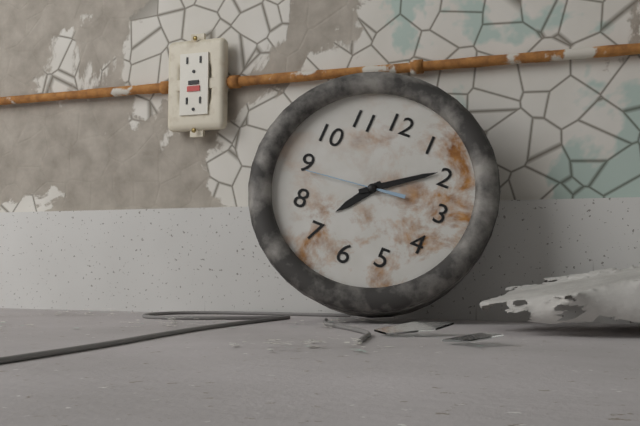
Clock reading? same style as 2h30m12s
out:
7h09m44s
